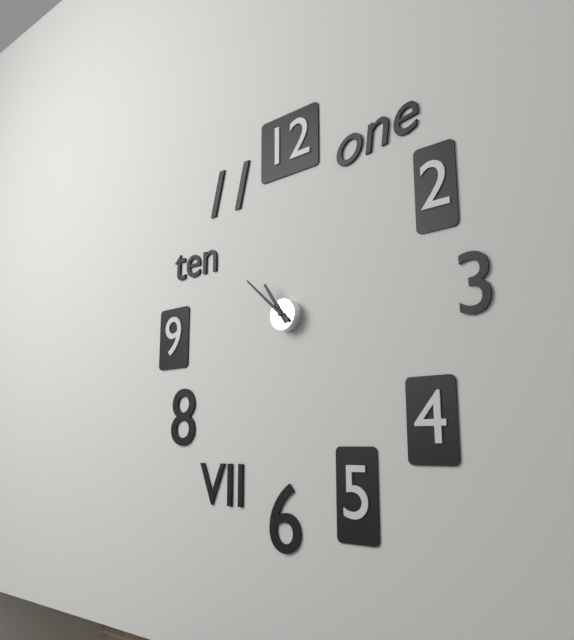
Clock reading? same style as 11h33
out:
10h52
